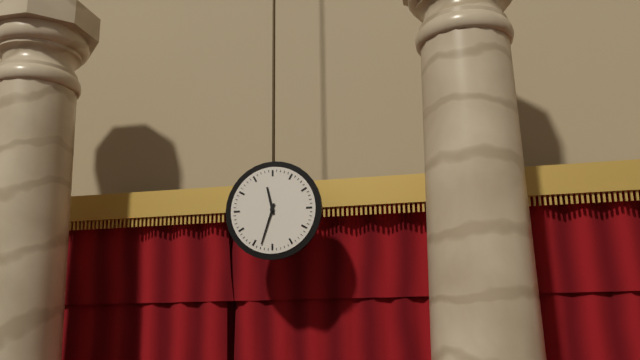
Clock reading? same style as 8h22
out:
11h33
